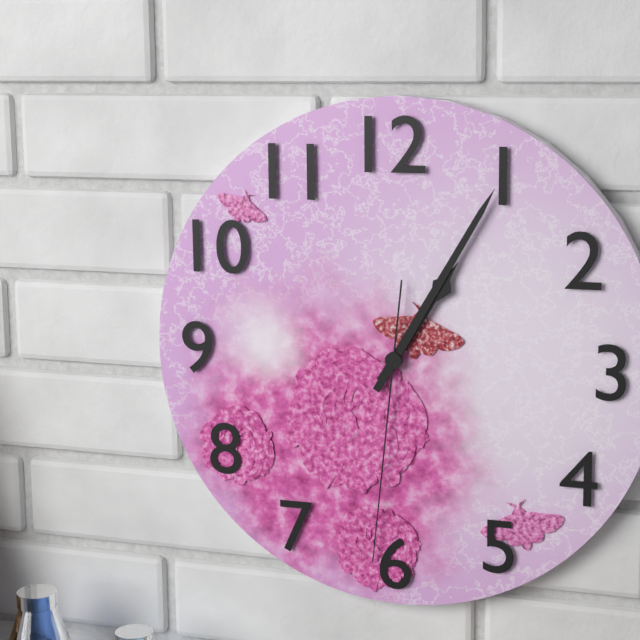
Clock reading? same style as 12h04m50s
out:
1h05m31s
